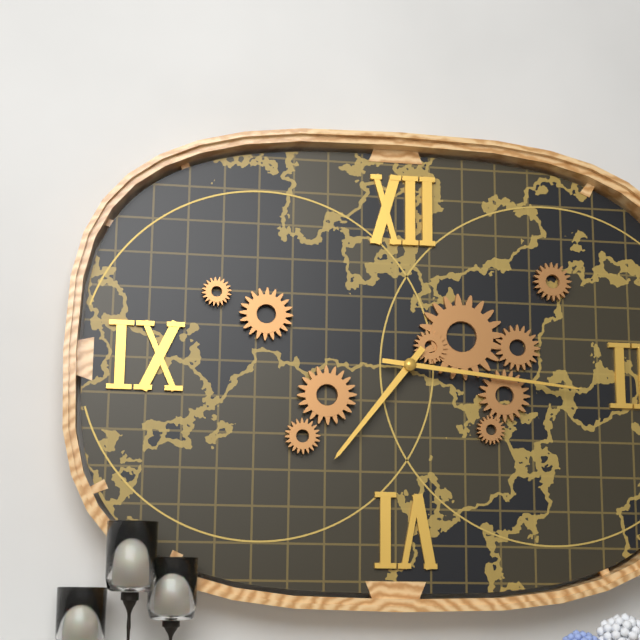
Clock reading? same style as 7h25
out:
7h16
